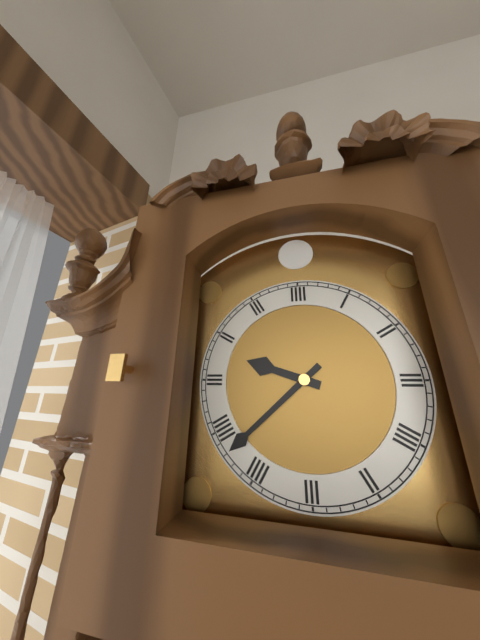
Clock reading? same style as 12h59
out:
9h38
